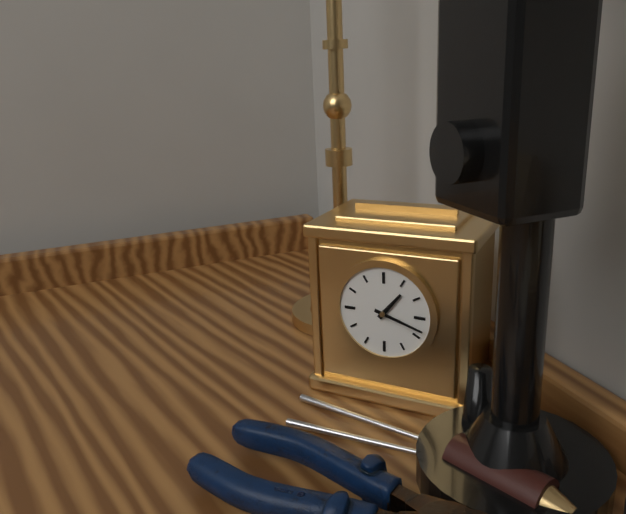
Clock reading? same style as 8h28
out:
1h18
